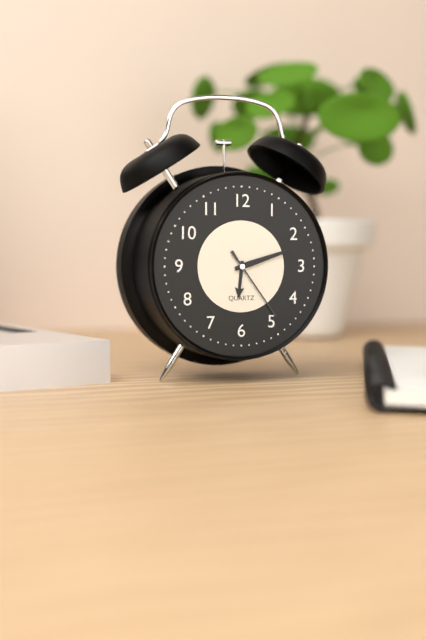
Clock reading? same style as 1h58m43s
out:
6h12m24s
